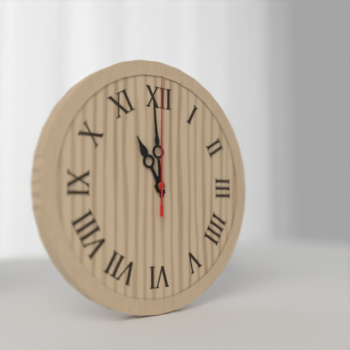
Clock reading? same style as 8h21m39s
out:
10h59m00s
